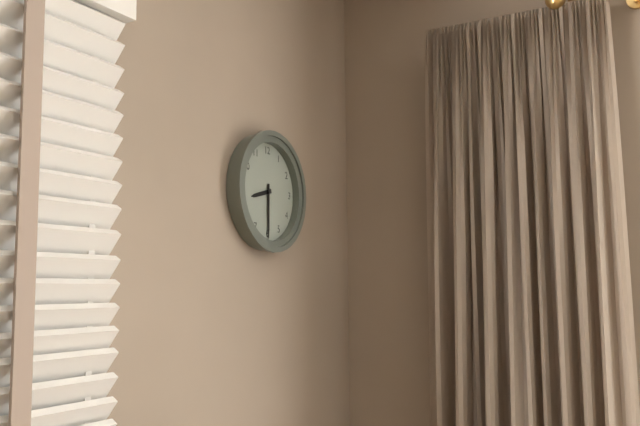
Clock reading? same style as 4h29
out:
8h30
